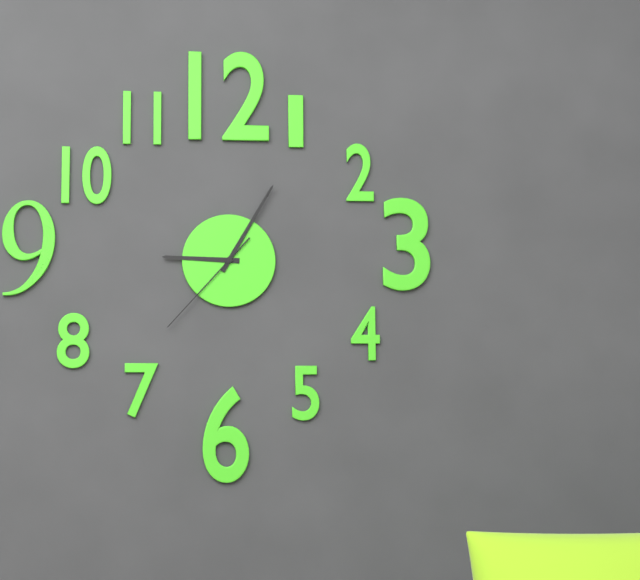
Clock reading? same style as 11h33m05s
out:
9h05m37s
